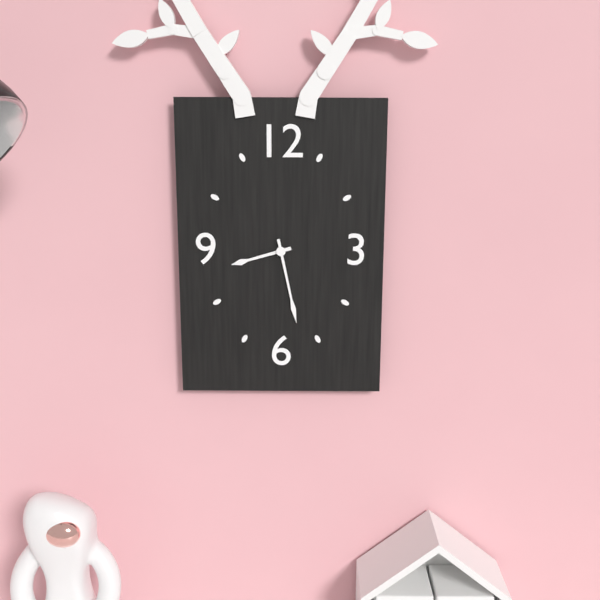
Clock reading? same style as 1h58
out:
8h28
